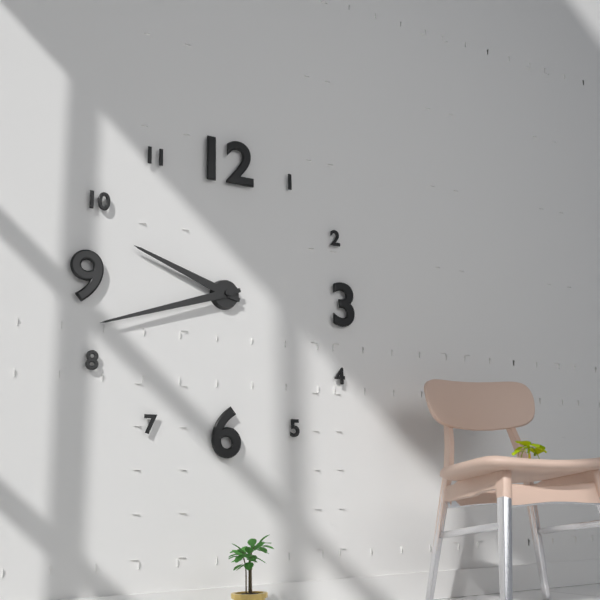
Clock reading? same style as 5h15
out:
9h42
